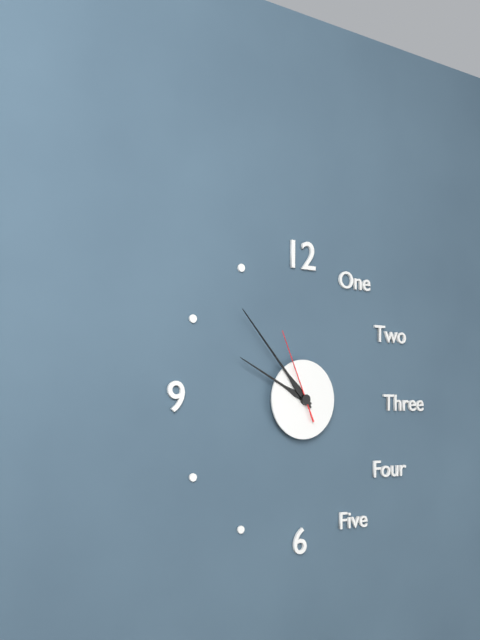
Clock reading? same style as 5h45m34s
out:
9h53m56s
